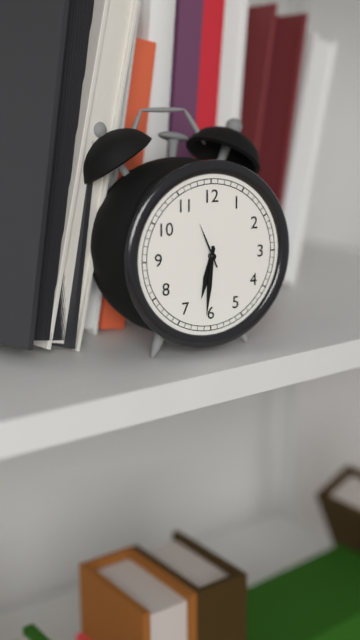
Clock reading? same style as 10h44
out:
6h31
